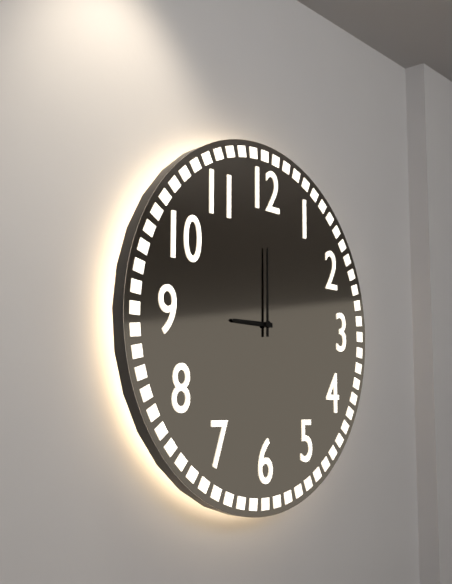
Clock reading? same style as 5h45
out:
9h00
